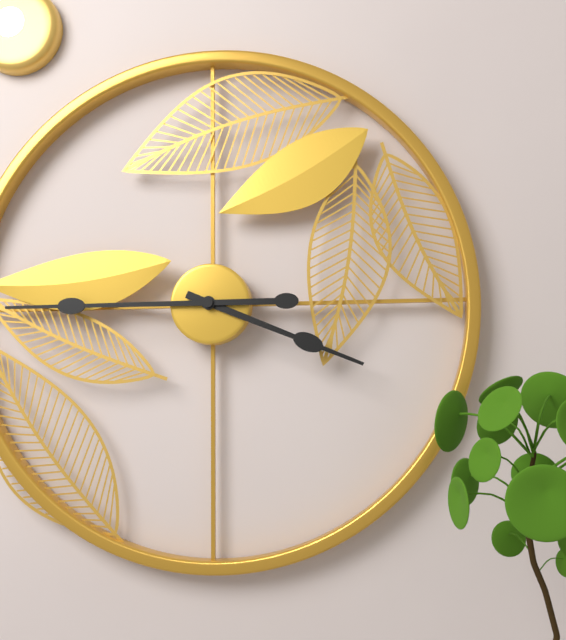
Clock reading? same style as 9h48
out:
3h45
